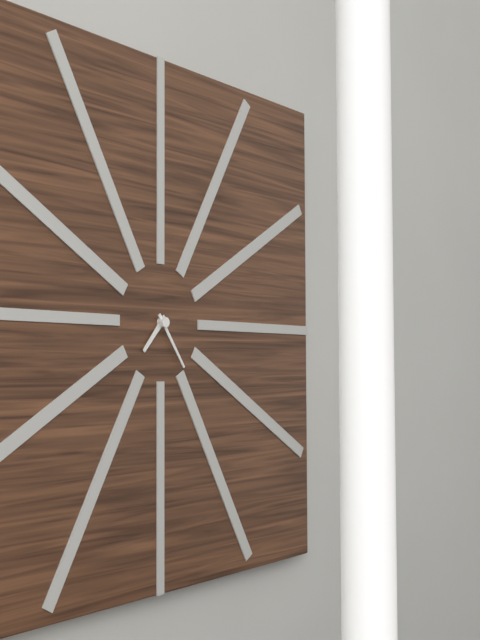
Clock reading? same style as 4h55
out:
7h24
